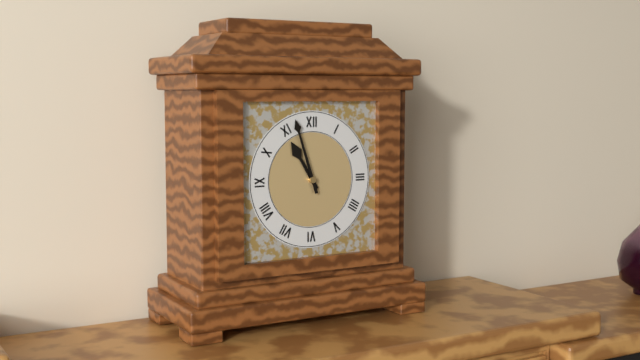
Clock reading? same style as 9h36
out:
10h57
